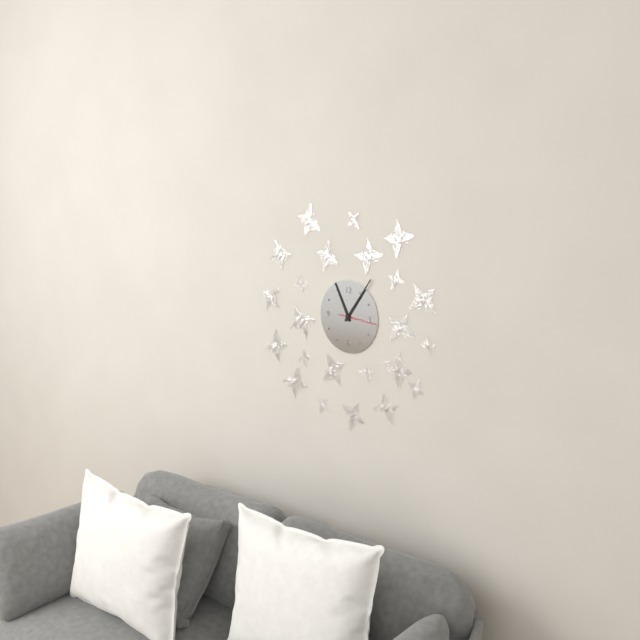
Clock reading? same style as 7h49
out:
11h06
